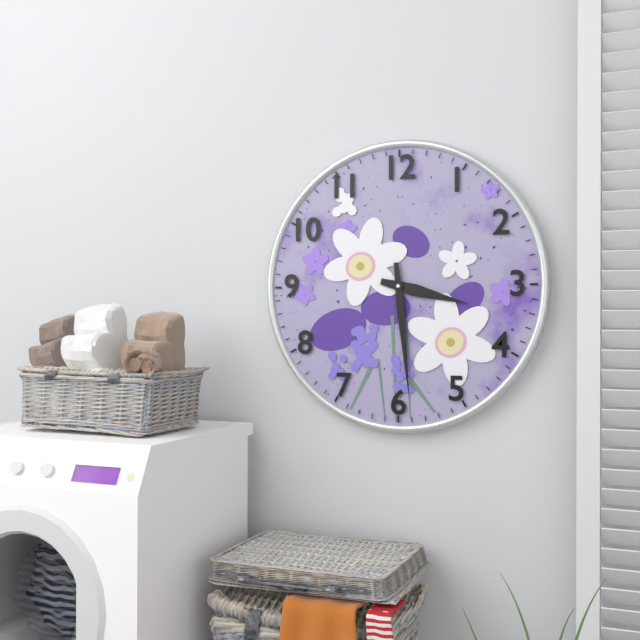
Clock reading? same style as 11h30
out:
3h29
